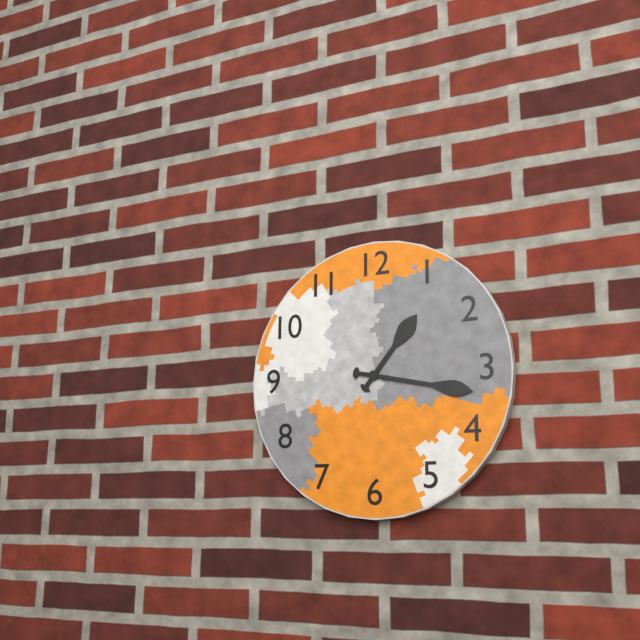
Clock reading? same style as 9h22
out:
1h17
